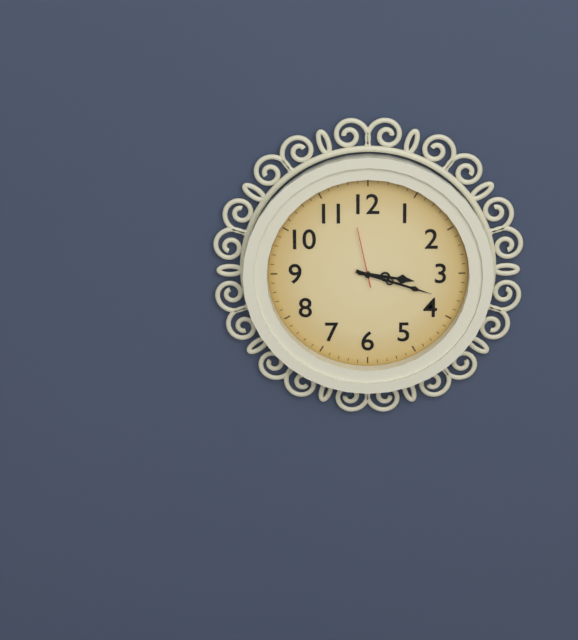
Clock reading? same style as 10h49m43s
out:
3h18m58s
